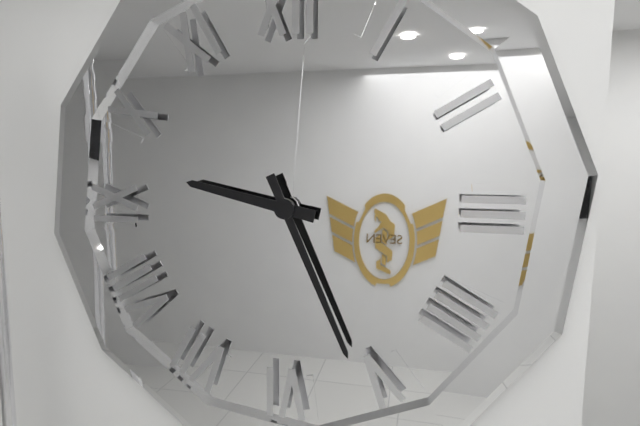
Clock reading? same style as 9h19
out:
9h26
